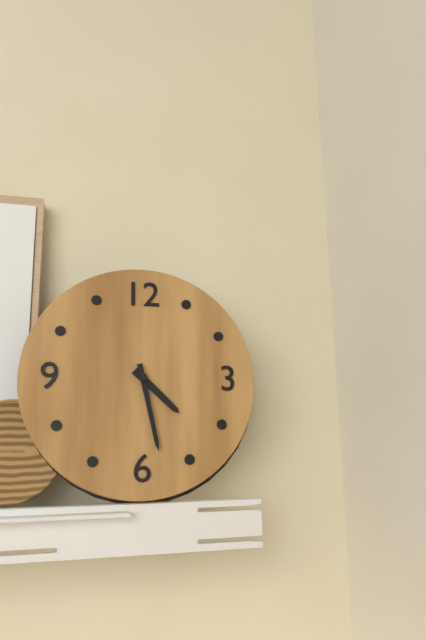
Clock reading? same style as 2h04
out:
4h28
